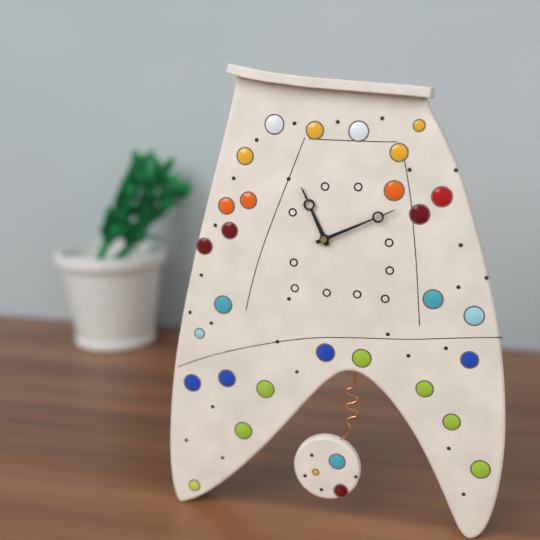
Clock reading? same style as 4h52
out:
11h11
